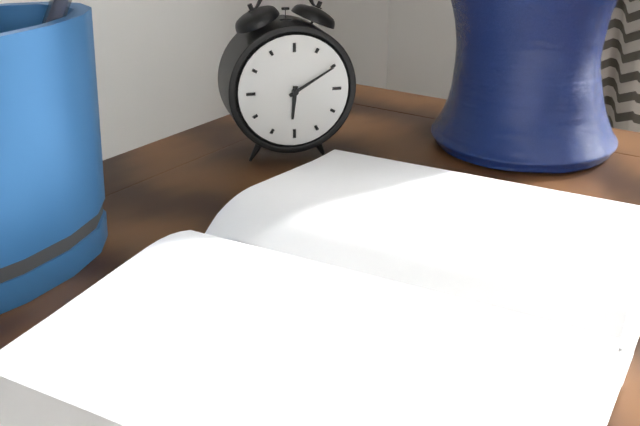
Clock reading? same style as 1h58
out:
6h10
